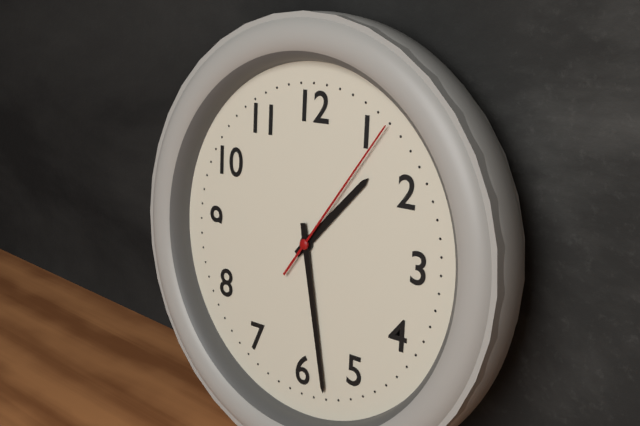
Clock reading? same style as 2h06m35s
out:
1h28m06s
